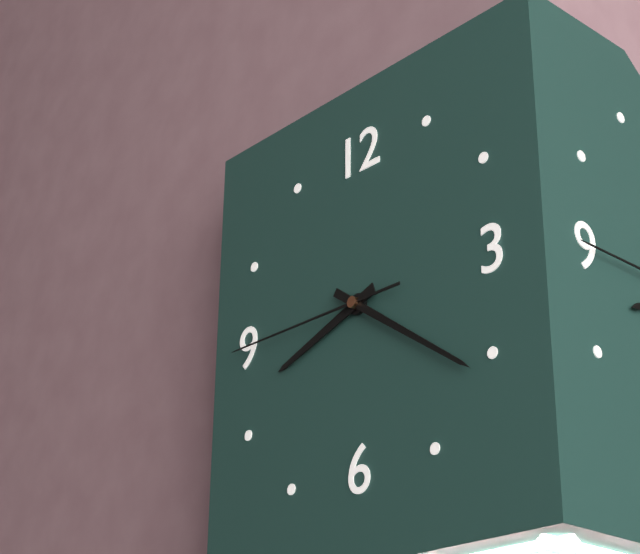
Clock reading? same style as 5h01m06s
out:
8h21m45s
